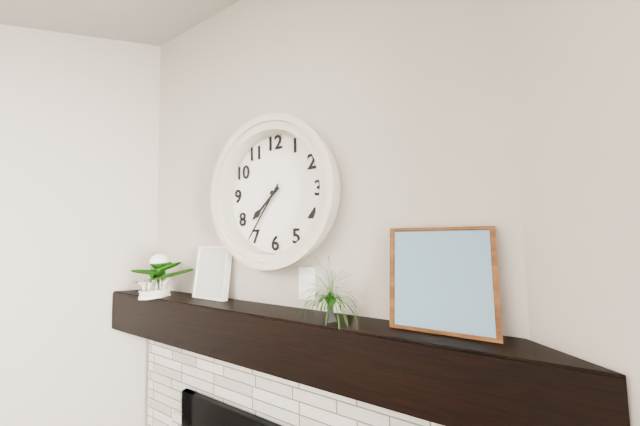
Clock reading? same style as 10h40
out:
7h36
